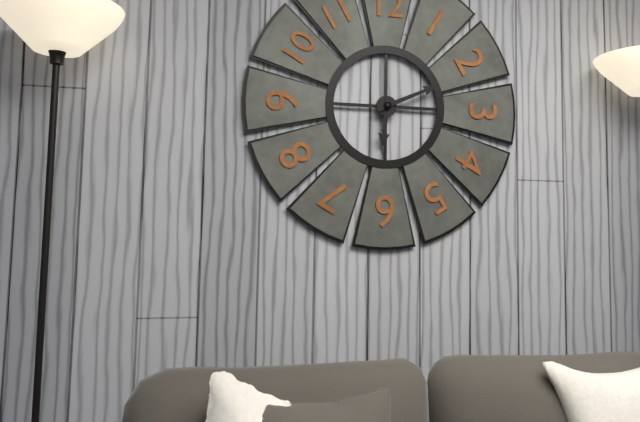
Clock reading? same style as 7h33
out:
6h11
